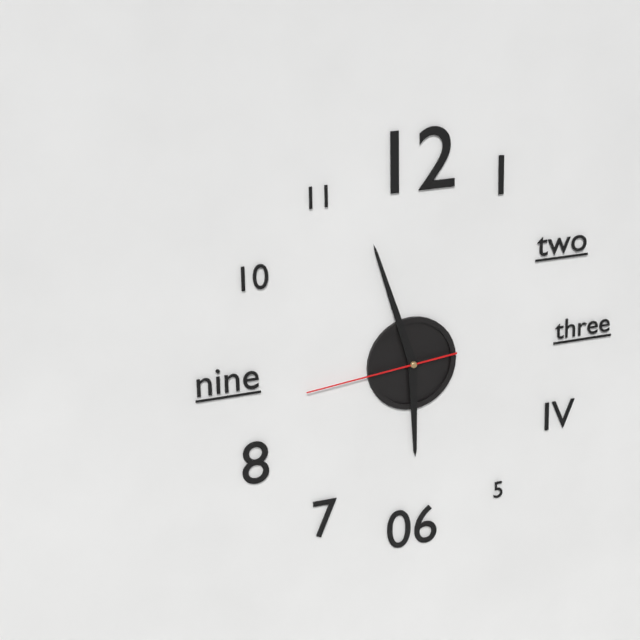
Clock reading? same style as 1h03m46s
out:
5h57m44s
